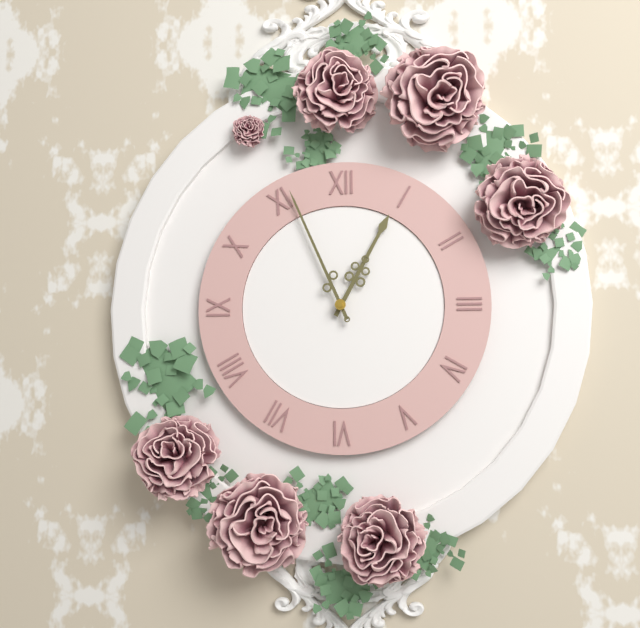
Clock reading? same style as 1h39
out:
12h56
